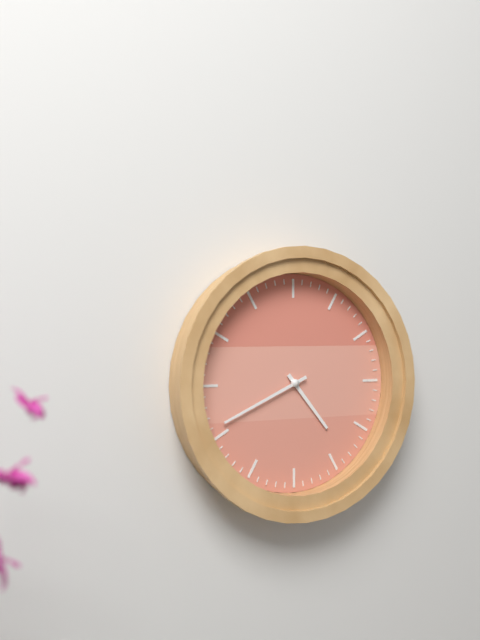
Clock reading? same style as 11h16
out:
4h41
